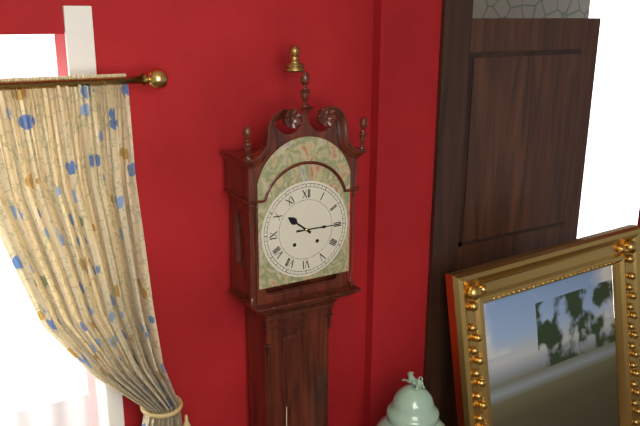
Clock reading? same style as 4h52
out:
10h15
